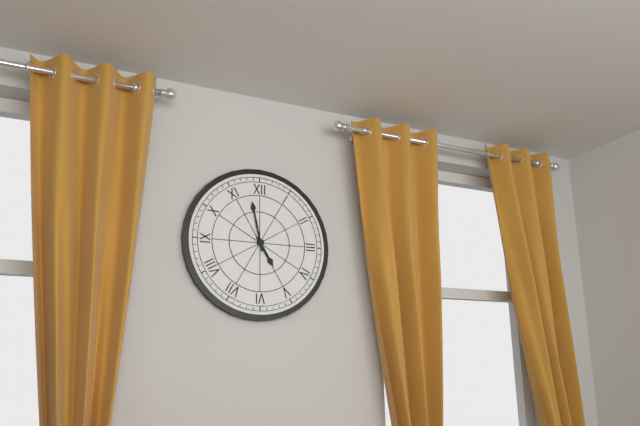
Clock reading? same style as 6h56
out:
4h58
